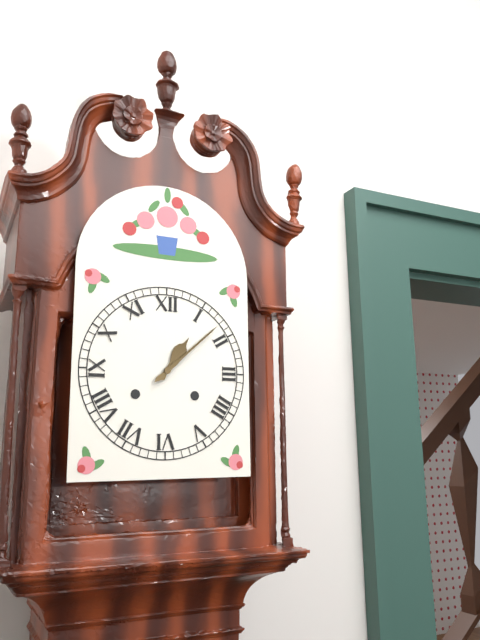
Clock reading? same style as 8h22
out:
1h08
